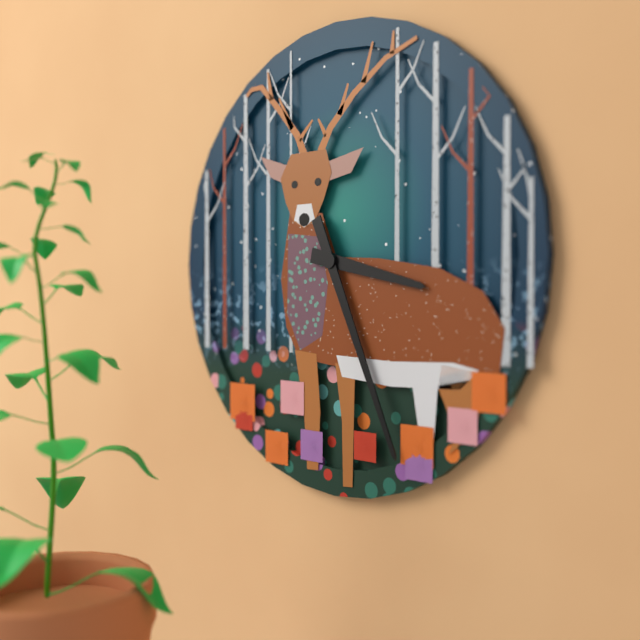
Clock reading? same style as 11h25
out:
3h26
